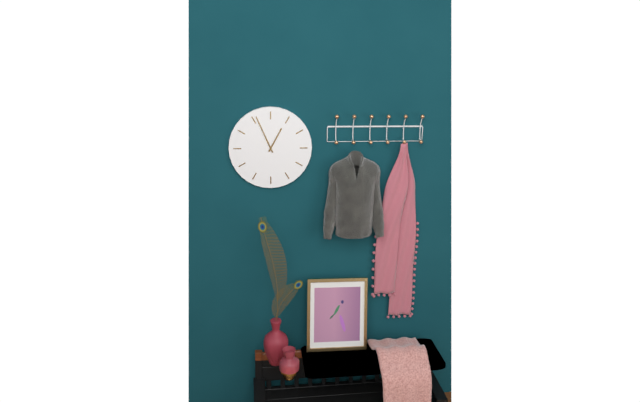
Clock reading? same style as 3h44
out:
12h56
